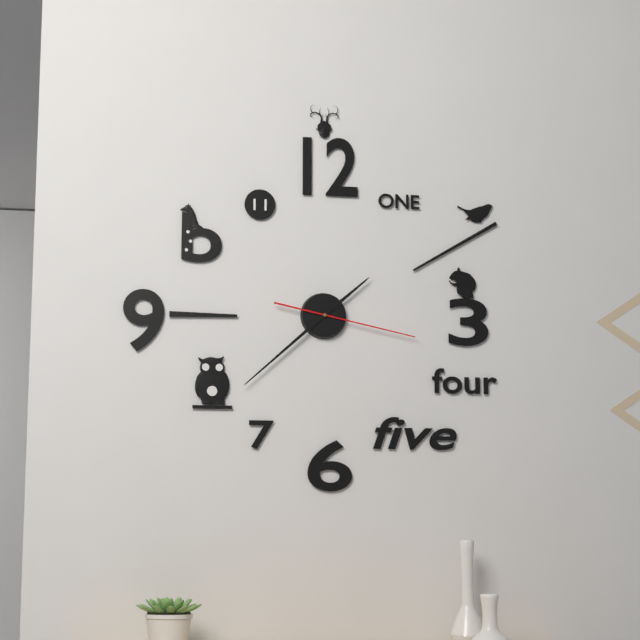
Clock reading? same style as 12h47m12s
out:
1h38m17s
